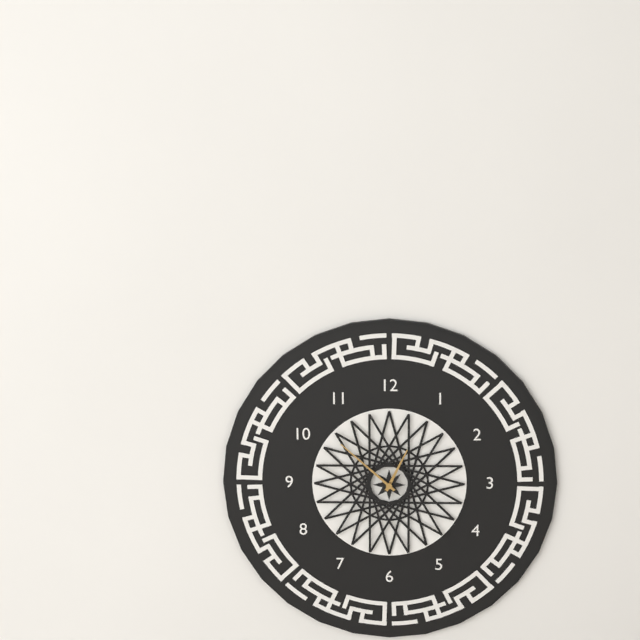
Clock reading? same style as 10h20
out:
12h52
